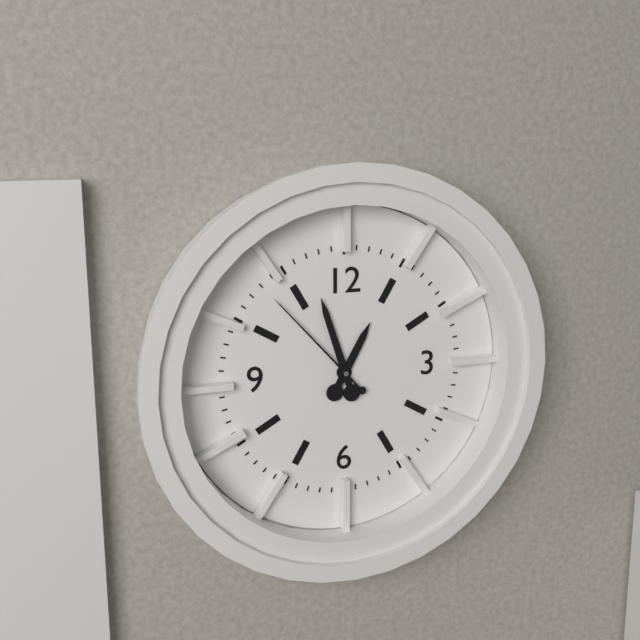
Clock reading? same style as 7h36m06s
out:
12h57m53s
